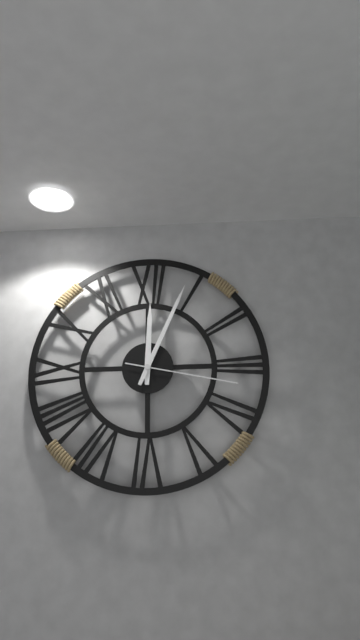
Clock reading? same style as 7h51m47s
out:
12h04m17s
